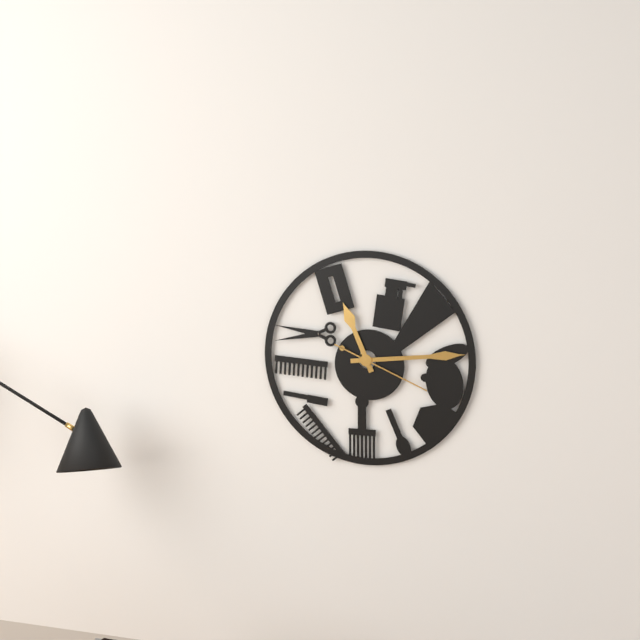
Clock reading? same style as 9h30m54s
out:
11h14m19s
